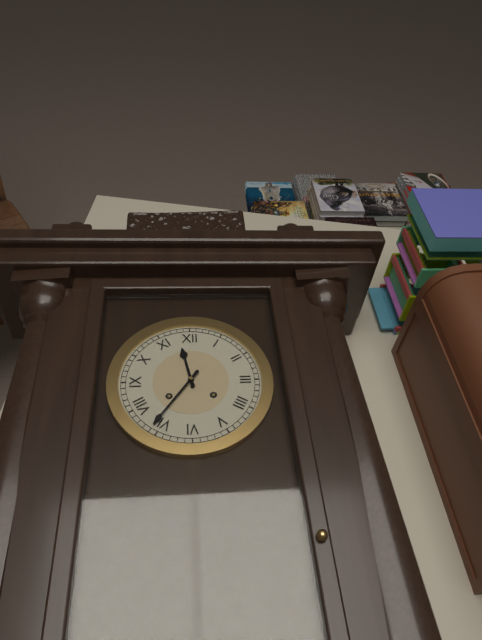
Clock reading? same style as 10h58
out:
11h36
